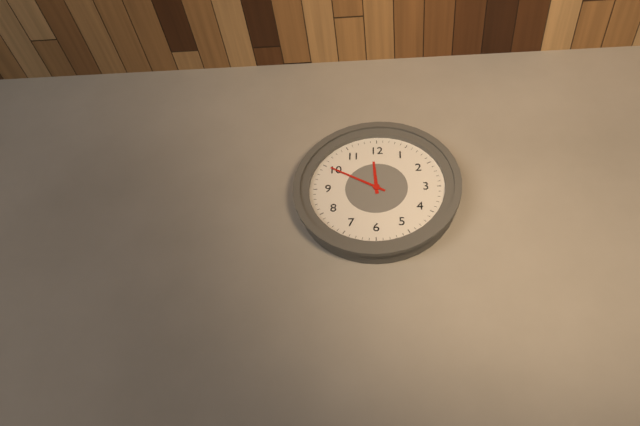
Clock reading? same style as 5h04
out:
11h50
